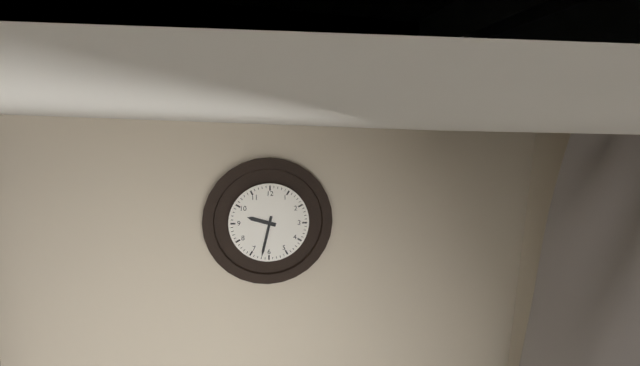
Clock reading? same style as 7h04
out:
9h32
